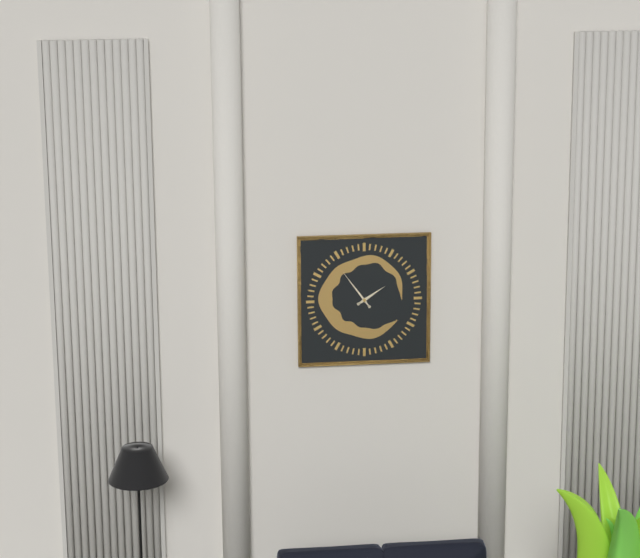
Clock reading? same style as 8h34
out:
1h54
